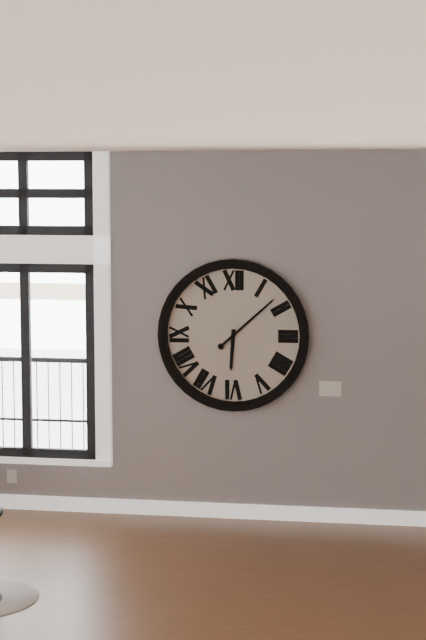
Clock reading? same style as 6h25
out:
6h08
